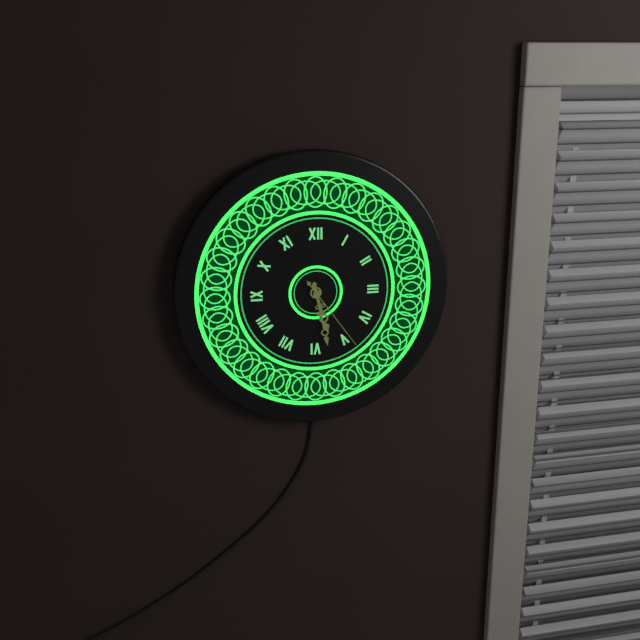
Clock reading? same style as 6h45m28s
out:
5h28m24s
